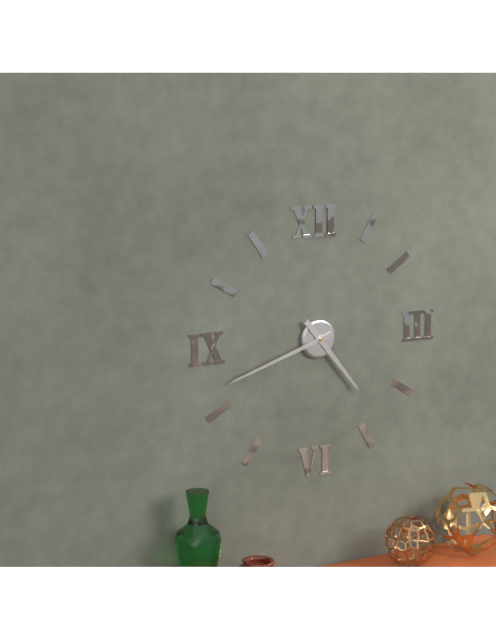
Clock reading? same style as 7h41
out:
4h42
